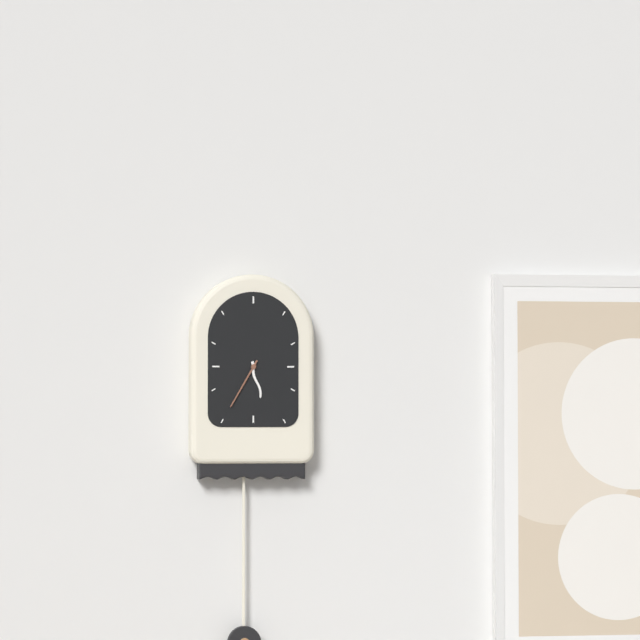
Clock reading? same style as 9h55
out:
5h35
